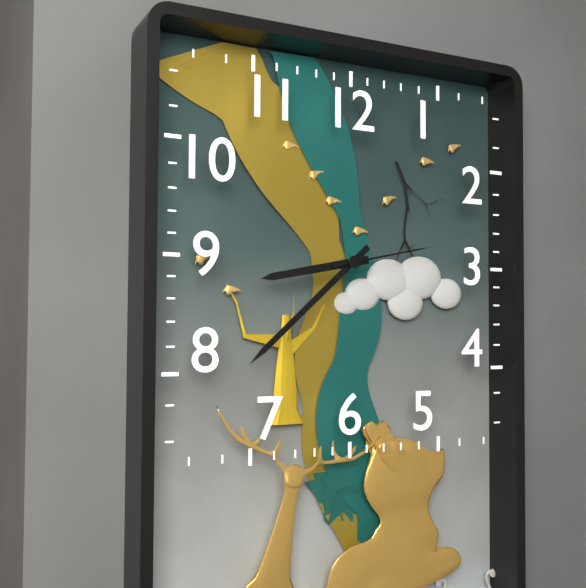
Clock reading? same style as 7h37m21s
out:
8h38m13s
